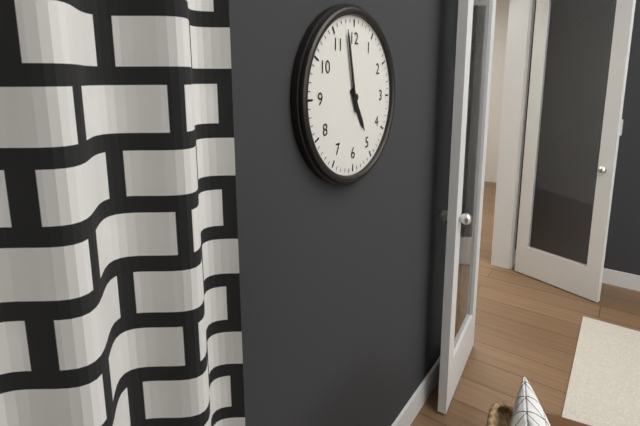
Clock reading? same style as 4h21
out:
4h58
